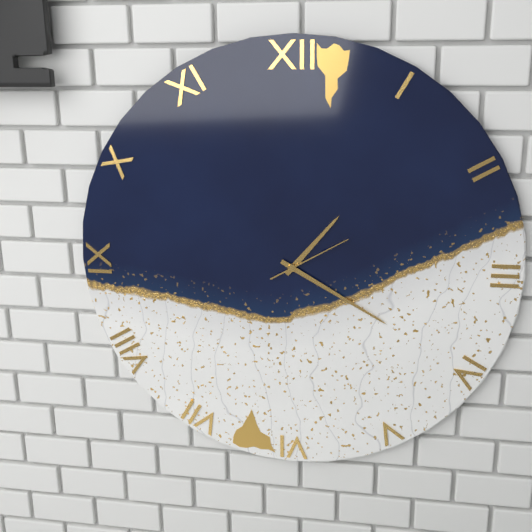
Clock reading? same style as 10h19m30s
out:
1h20m10s
